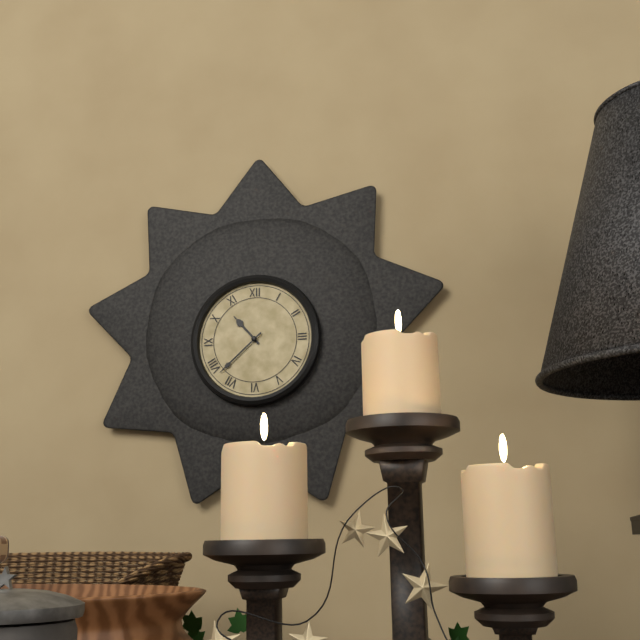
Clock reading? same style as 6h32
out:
10h38
